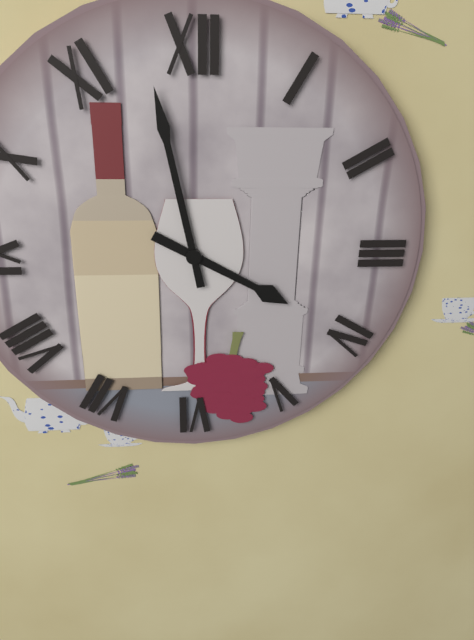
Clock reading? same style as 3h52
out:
3h58
